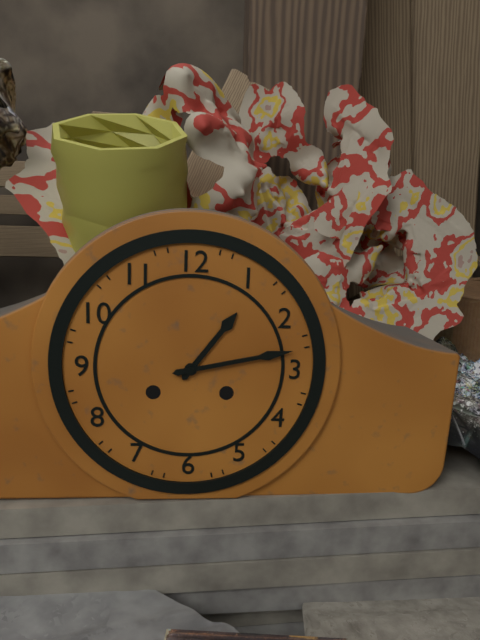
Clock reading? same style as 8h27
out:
1h13
